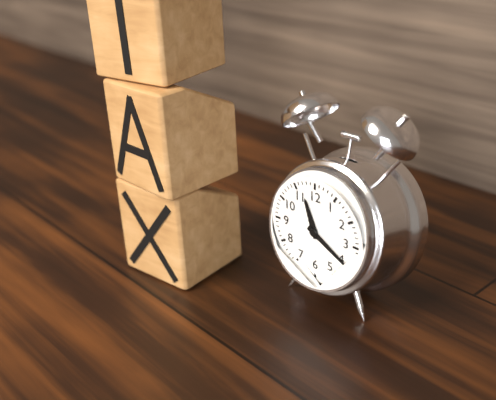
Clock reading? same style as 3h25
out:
11h20
